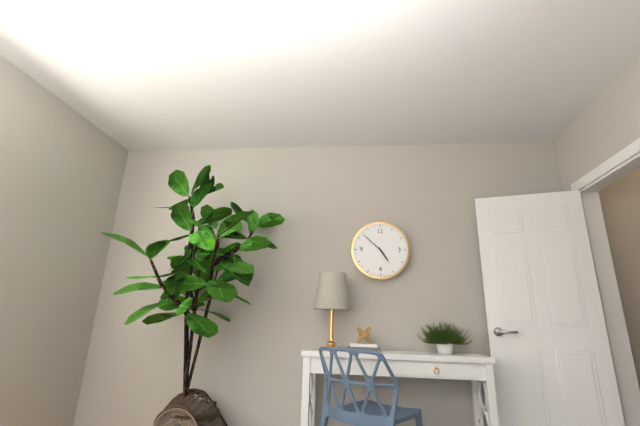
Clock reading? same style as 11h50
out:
4h52
